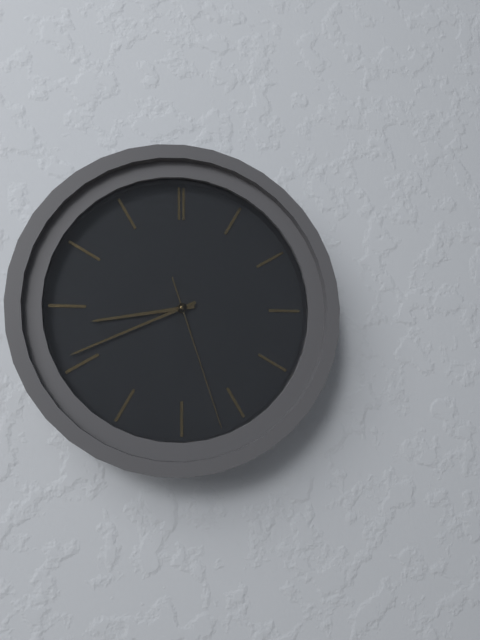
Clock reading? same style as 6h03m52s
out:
8h41m27s
